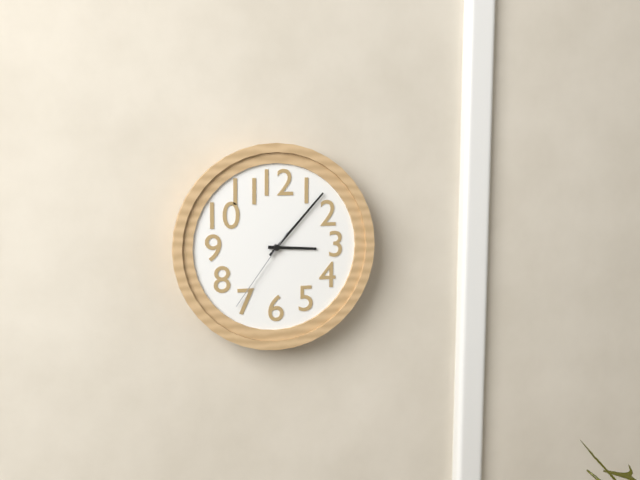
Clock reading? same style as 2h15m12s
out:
3h07m36s
